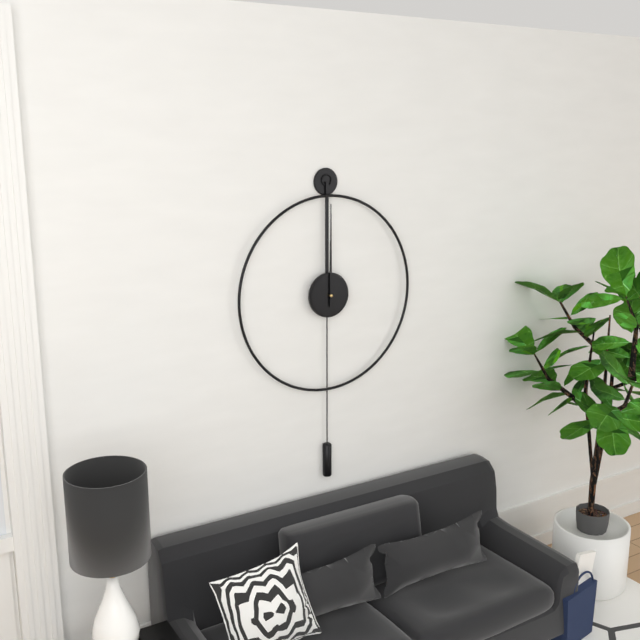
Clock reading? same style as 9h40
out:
12h00
